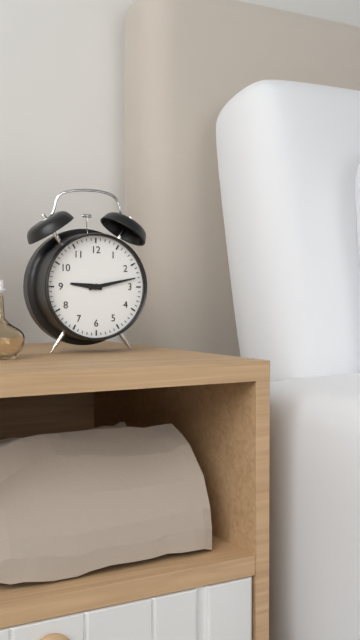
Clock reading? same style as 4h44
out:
9h13
